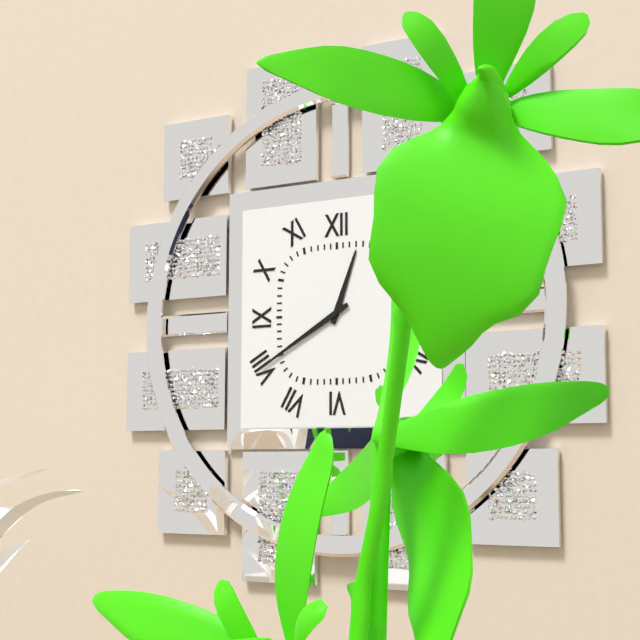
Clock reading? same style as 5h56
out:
12h40
